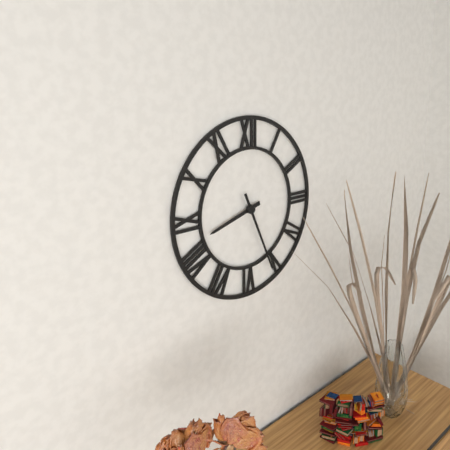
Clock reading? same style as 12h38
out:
8h26
